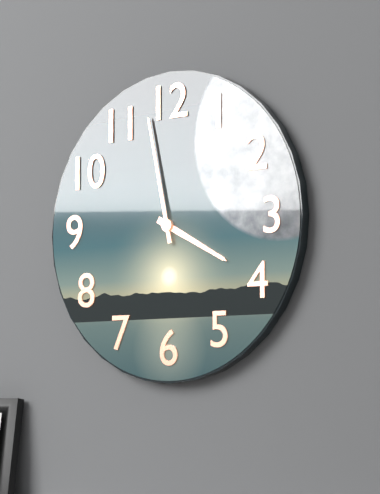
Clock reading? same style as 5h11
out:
3h58
